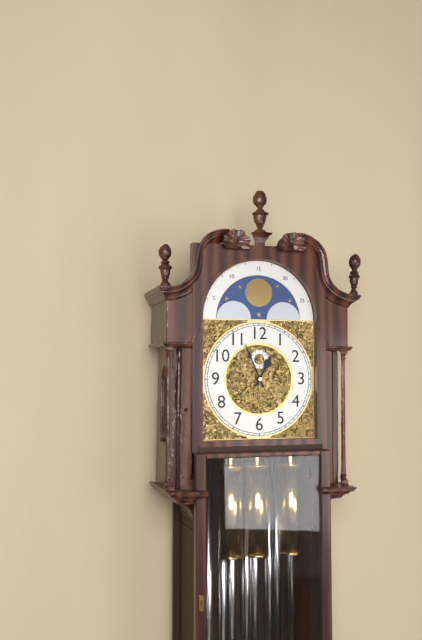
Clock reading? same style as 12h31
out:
12h56
